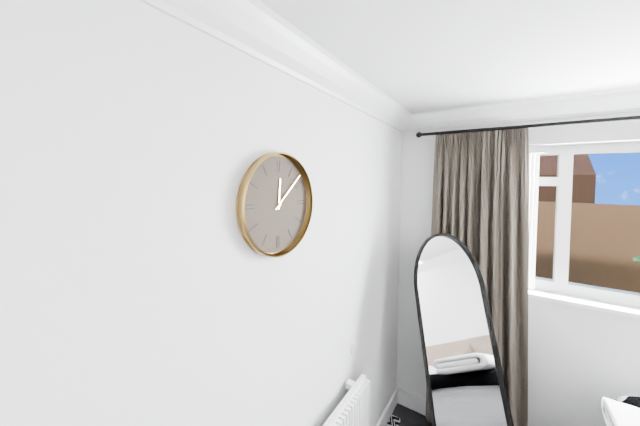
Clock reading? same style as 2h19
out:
12h08
